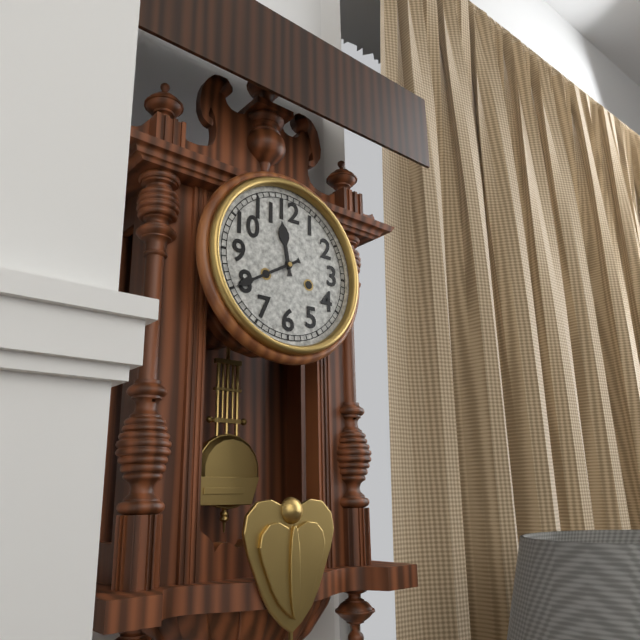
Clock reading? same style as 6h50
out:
11h40
